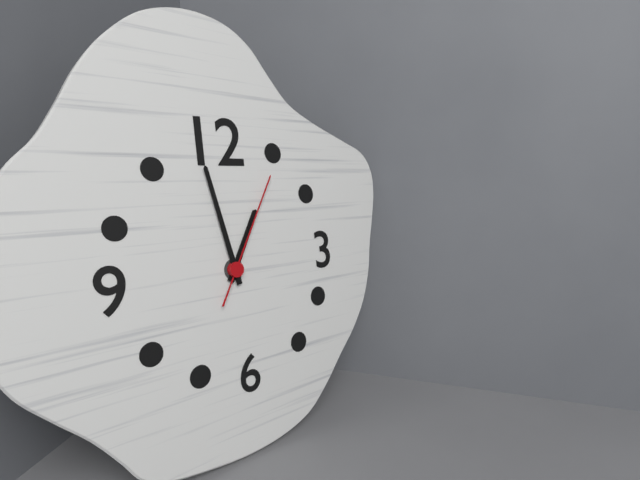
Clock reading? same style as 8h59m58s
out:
12h58m05s
